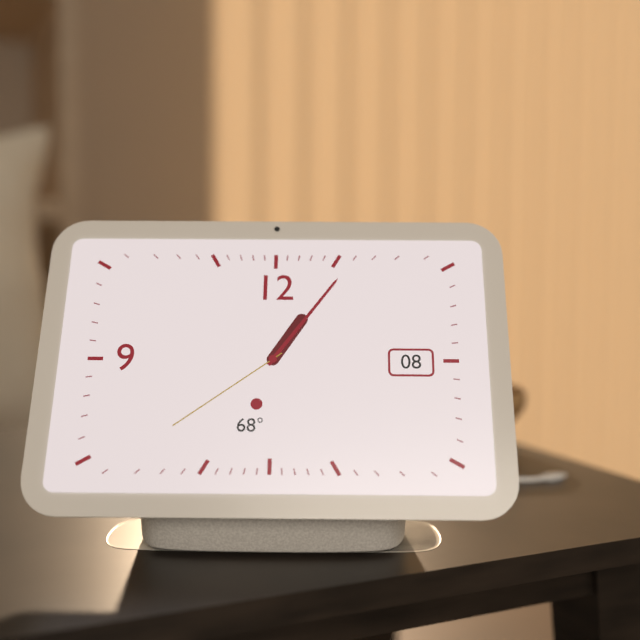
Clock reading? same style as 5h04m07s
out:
1h06m39s
